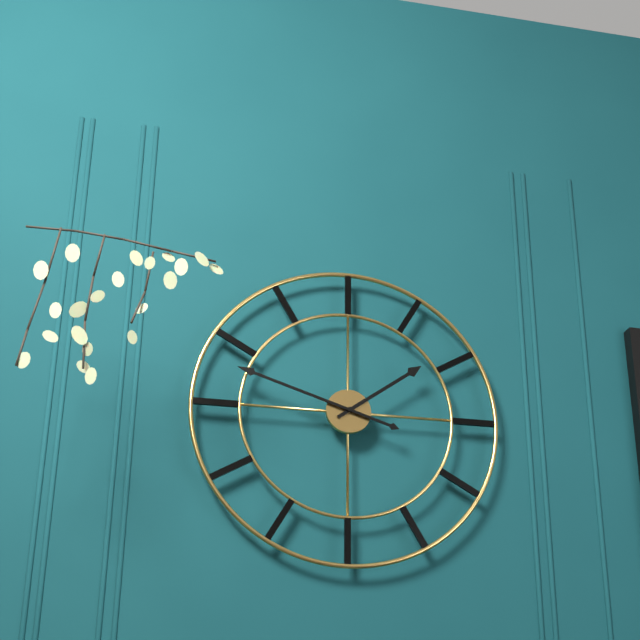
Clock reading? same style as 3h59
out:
1h48
